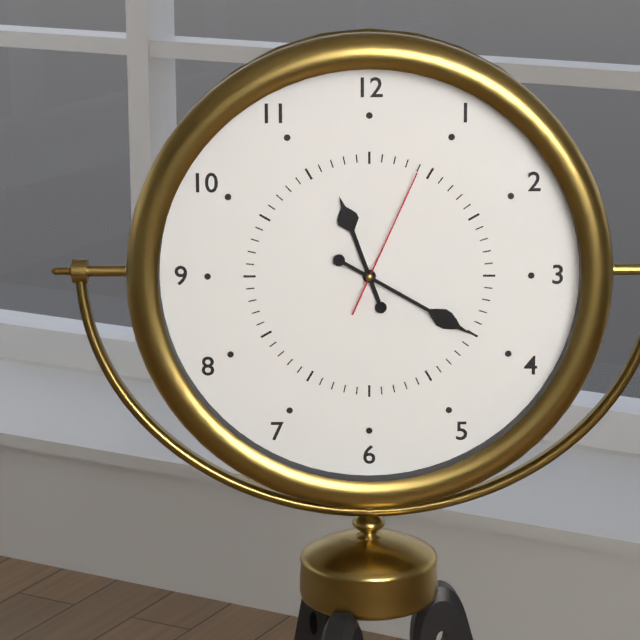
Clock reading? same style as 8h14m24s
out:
11h20m04s
